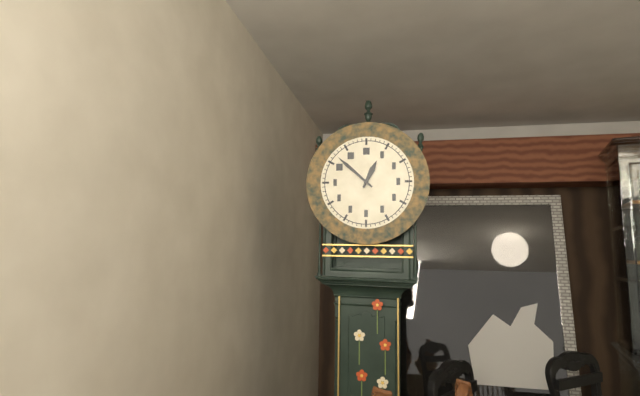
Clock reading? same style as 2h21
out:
12h52
